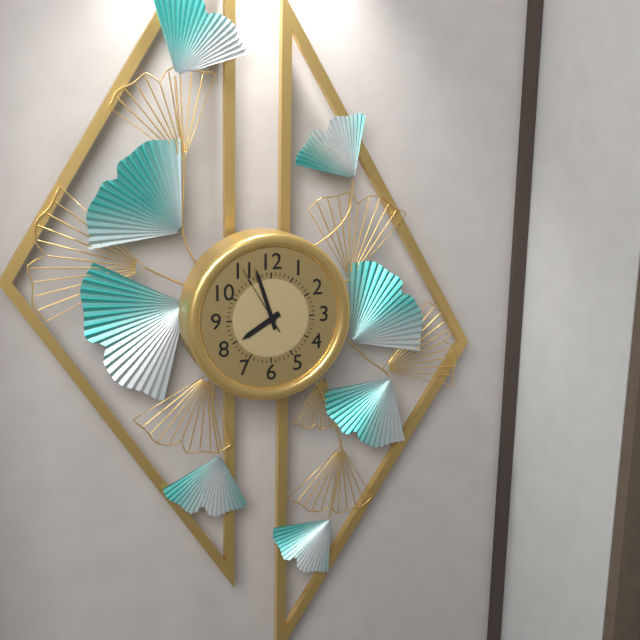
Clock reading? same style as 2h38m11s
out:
7h57m55s
